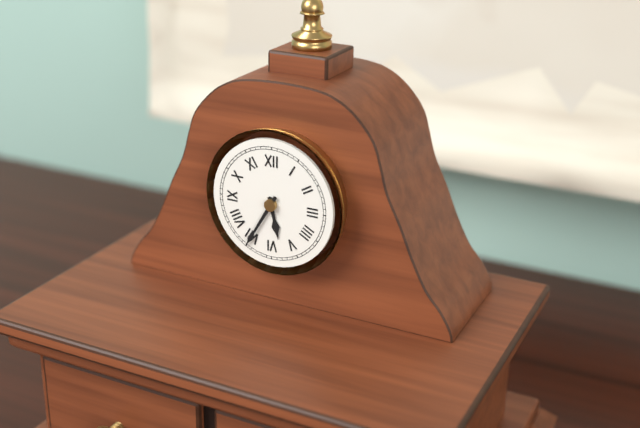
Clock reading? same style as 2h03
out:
5h35
